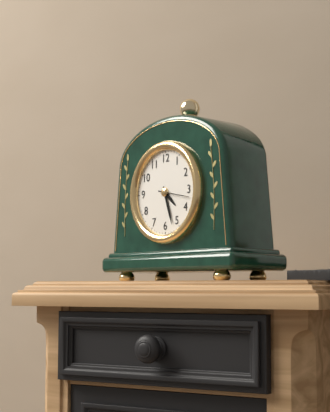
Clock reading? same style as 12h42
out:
4h27
